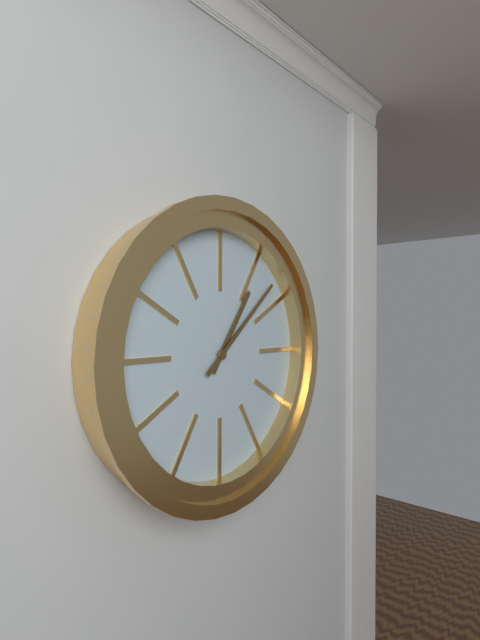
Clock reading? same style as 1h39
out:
1h08
